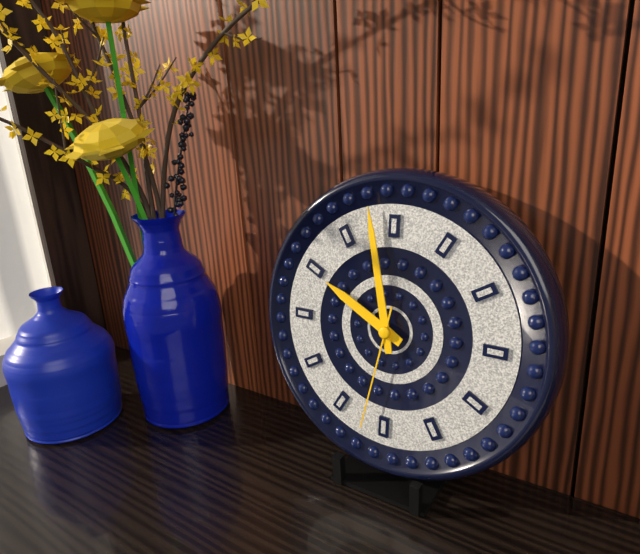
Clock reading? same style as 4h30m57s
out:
9h58m32s
